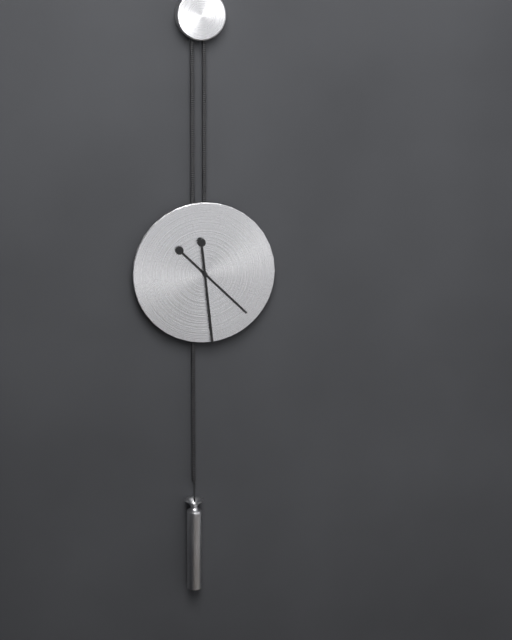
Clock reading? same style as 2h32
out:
4h29
